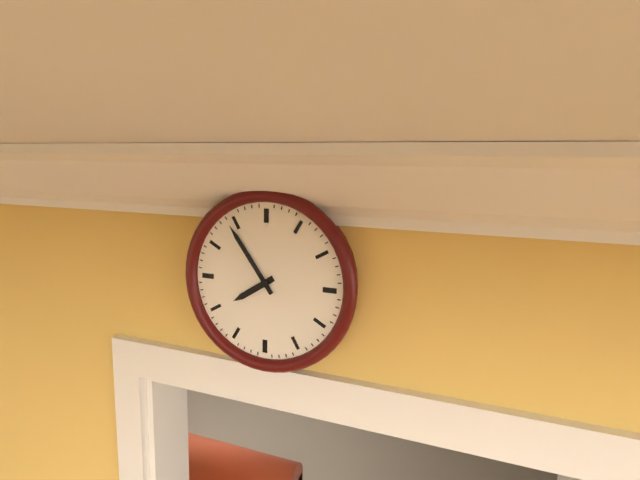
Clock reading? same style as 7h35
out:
7h54
